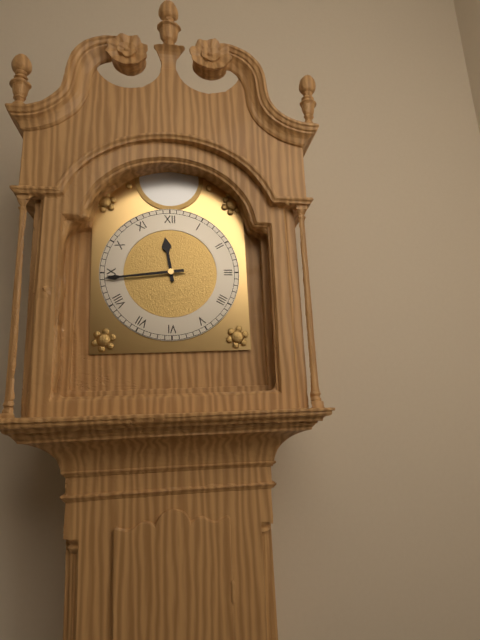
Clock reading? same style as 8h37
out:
11h44
